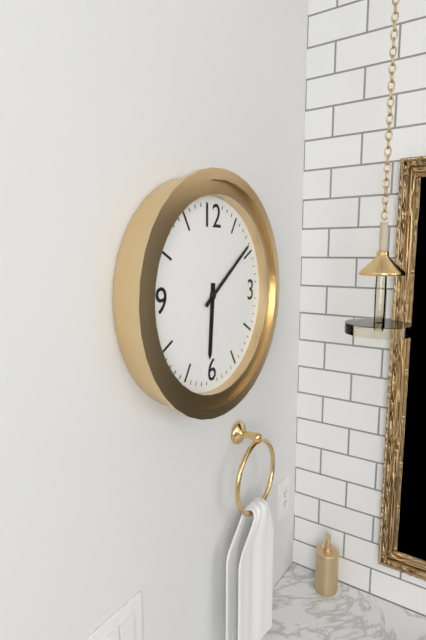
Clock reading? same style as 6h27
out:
6h09
